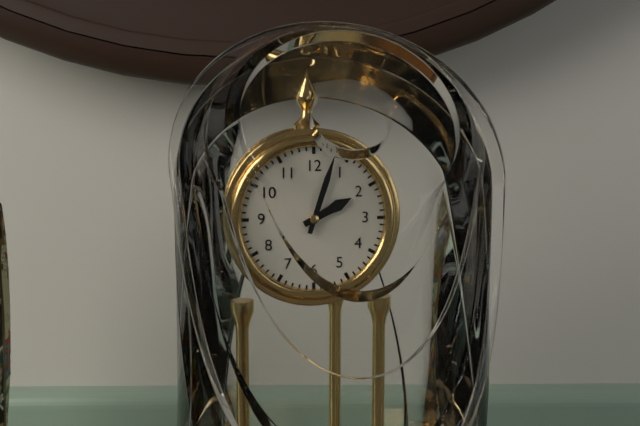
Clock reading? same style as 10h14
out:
2h03
